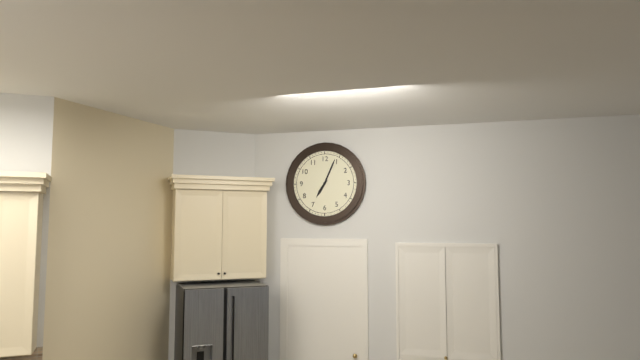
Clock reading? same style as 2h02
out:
7h04
